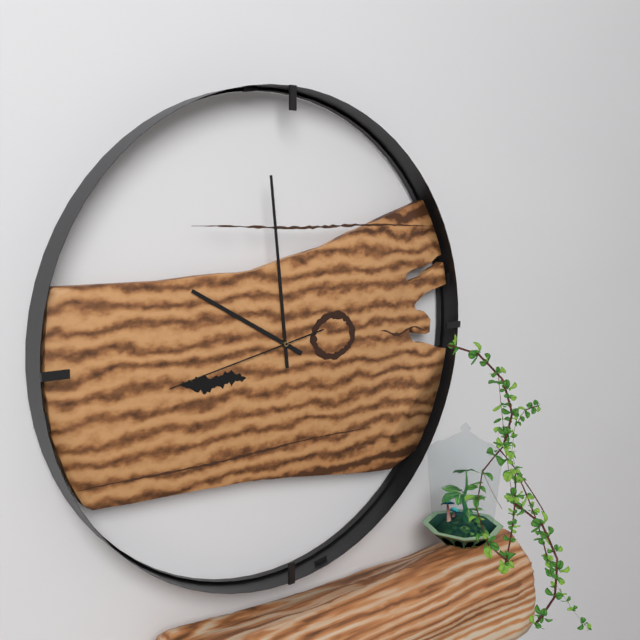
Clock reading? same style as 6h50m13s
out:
9h59m43s
